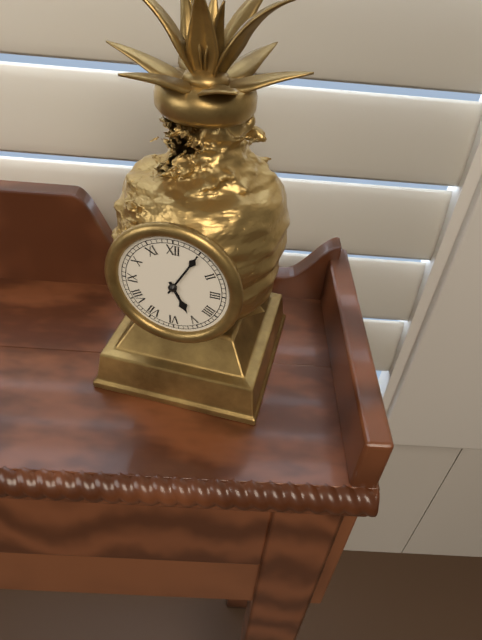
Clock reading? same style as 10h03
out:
5h05
